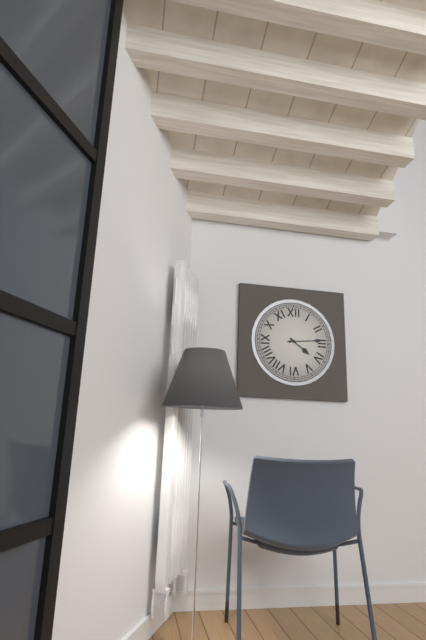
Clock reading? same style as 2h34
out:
4h14
